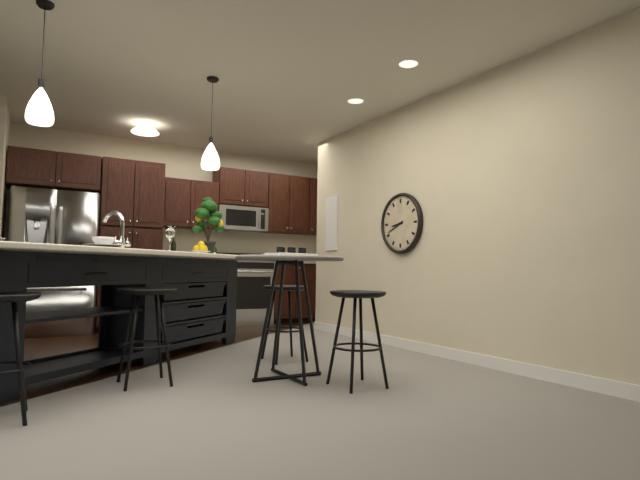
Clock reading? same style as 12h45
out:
8h41
